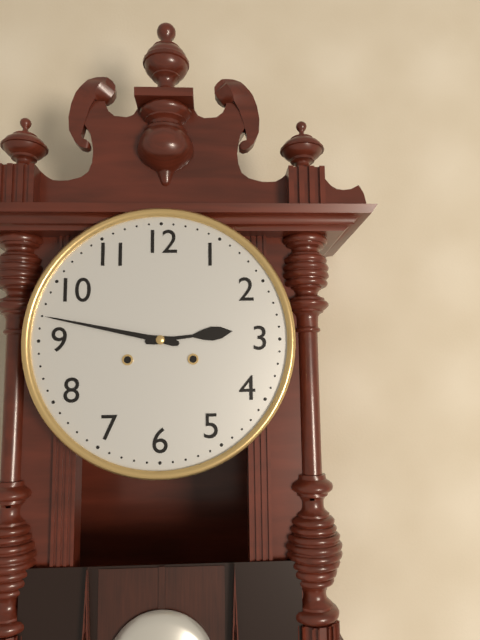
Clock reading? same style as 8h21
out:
2h47
